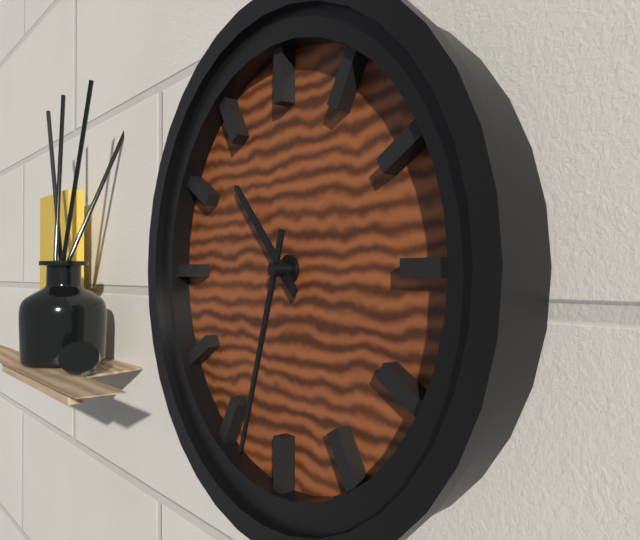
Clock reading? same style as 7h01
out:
10h33
